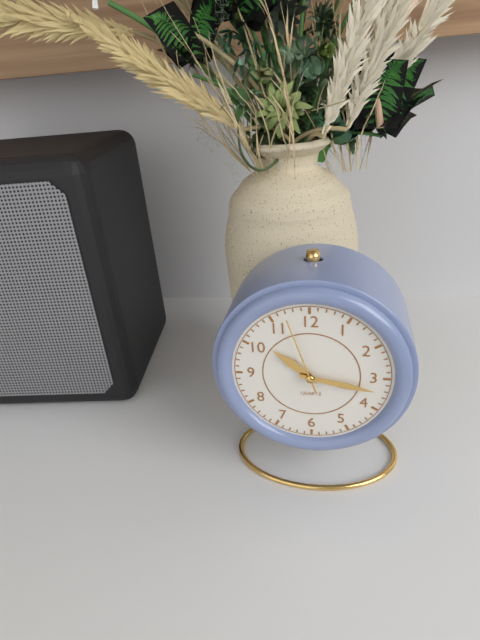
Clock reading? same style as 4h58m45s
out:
10h17m57s
